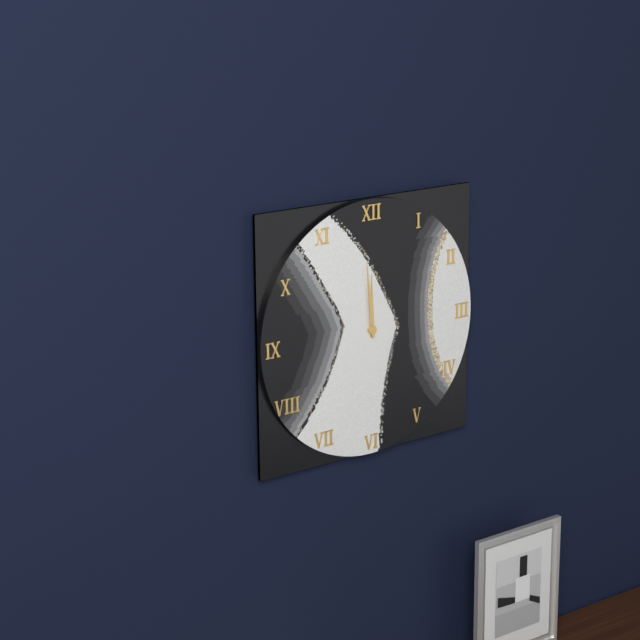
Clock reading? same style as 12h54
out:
11h59
